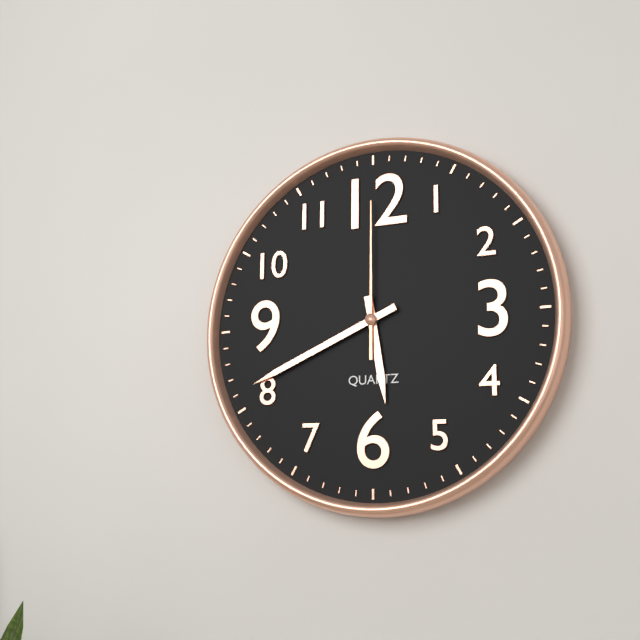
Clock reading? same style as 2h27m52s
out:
5h41m00s
